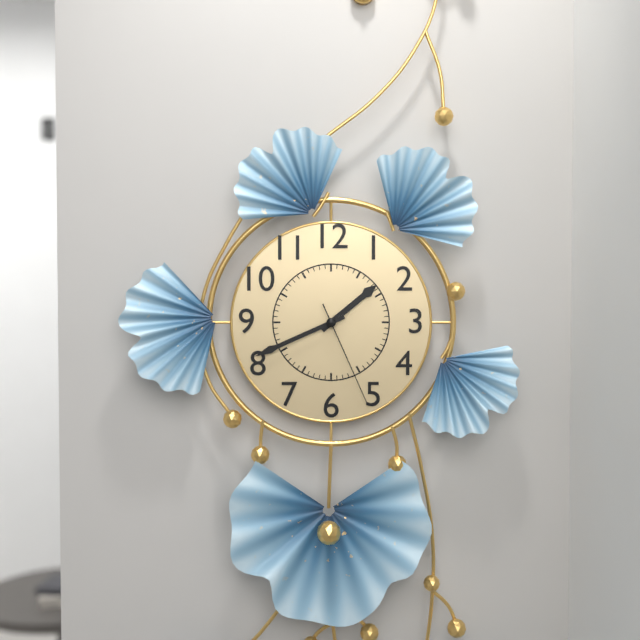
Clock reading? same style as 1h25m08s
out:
1h41m26s
